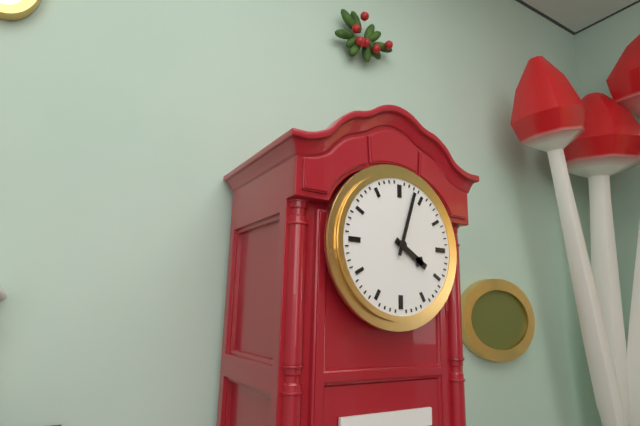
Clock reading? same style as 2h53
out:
4h03
